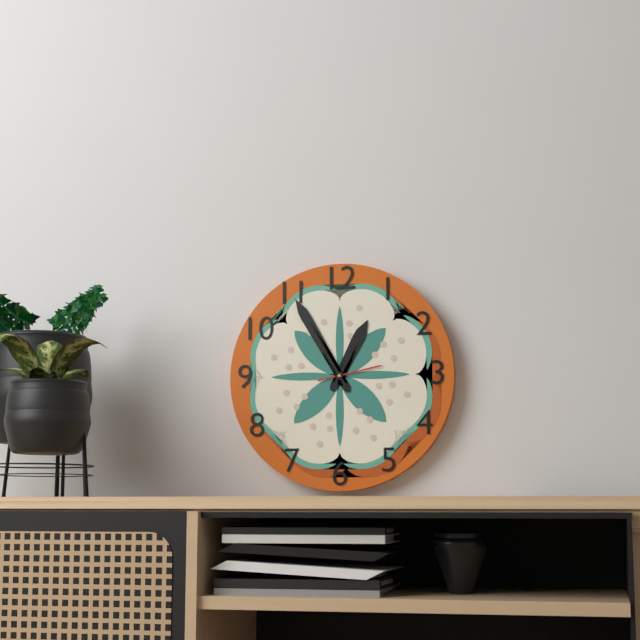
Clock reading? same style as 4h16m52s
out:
12h55m13s
